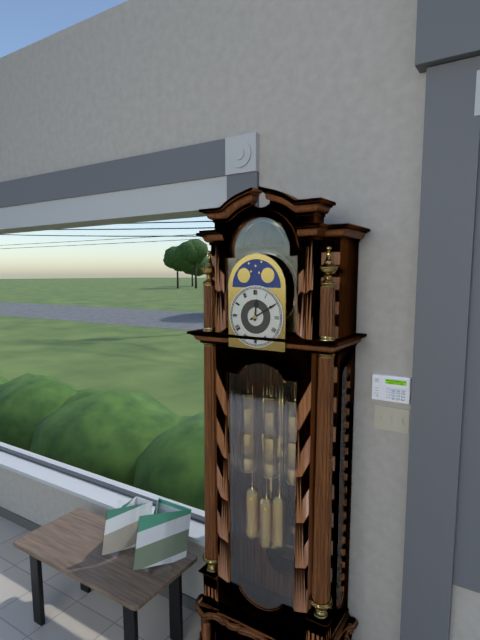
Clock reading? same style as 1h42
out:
12h10
